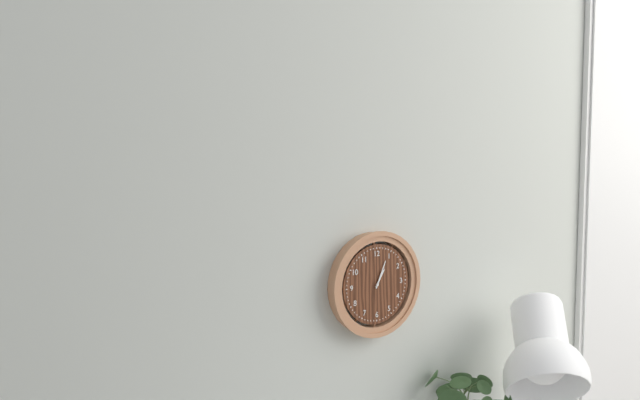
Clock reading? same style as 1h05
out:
1h04
